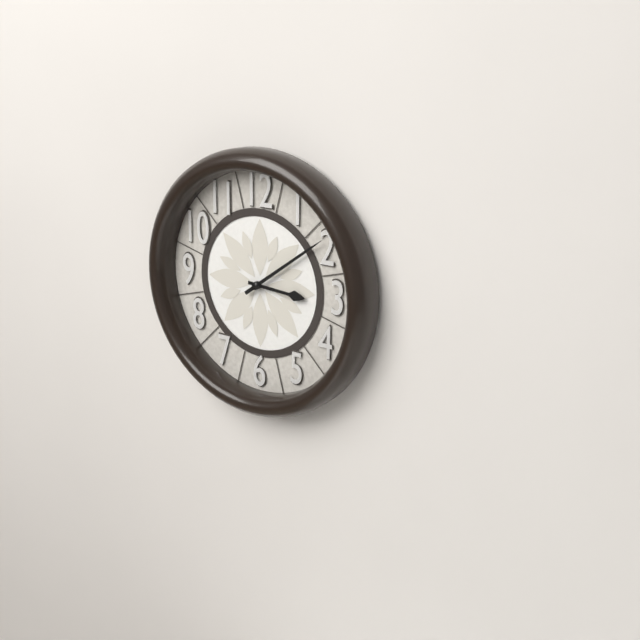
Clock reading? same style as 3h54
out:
3h09
